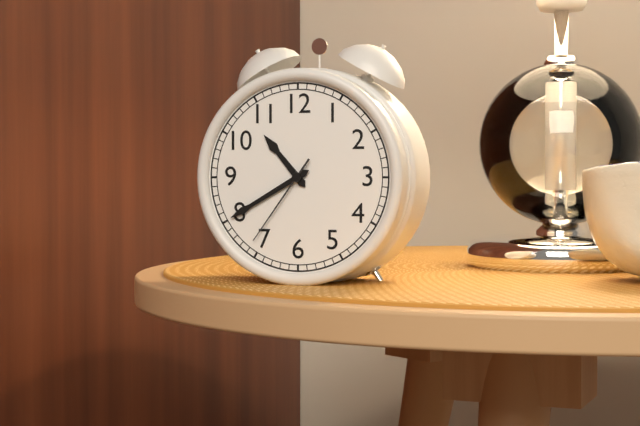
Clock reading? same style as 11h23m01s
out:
10h40m36s
